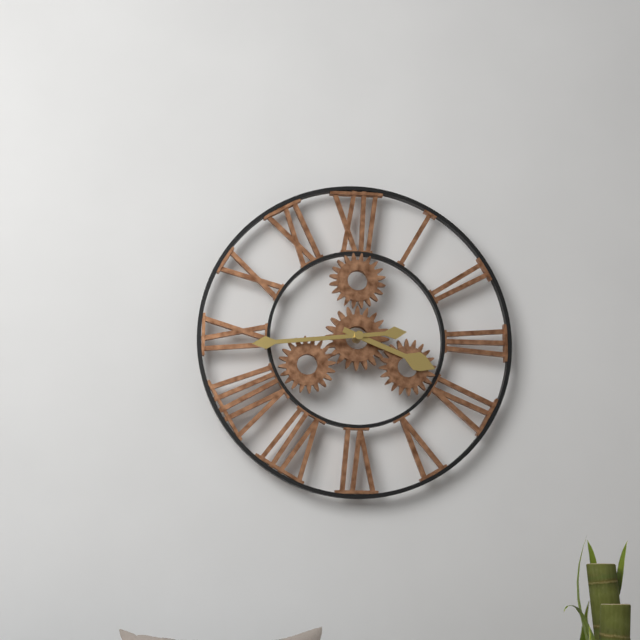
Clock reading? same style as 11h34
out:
3h44
